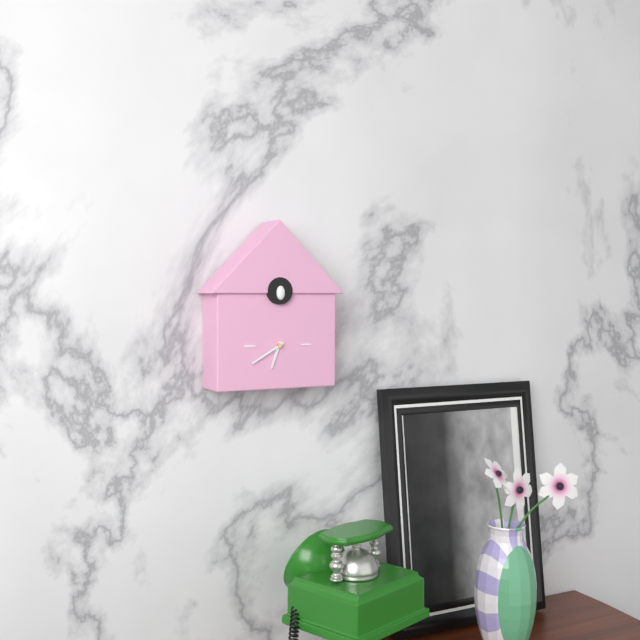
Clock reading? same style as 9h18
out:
6h40
